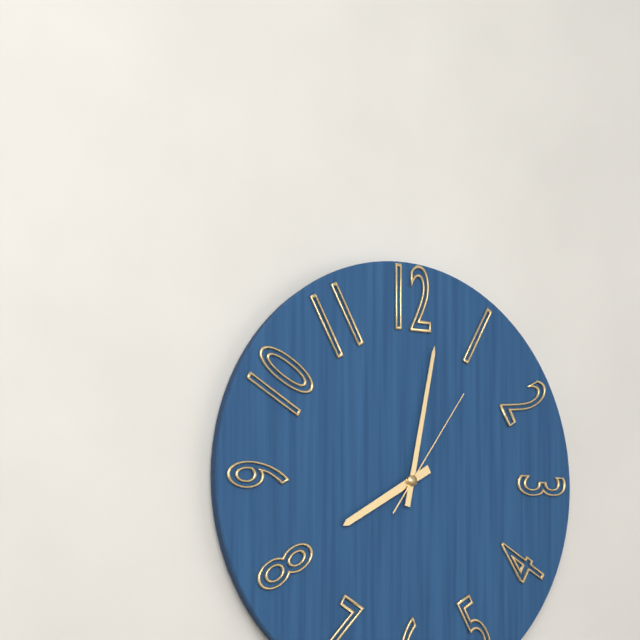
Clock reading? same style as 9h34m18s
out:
8h02m06s
